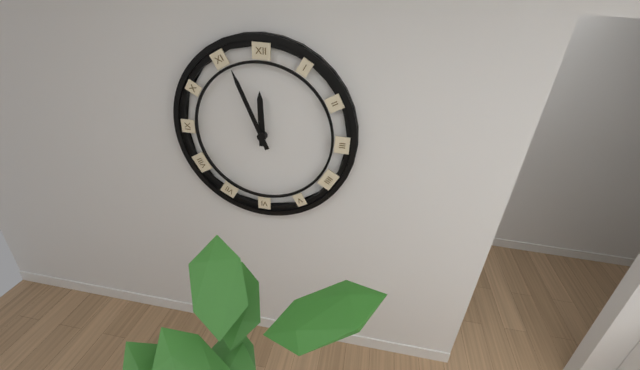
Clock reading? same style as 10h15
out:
11h56
